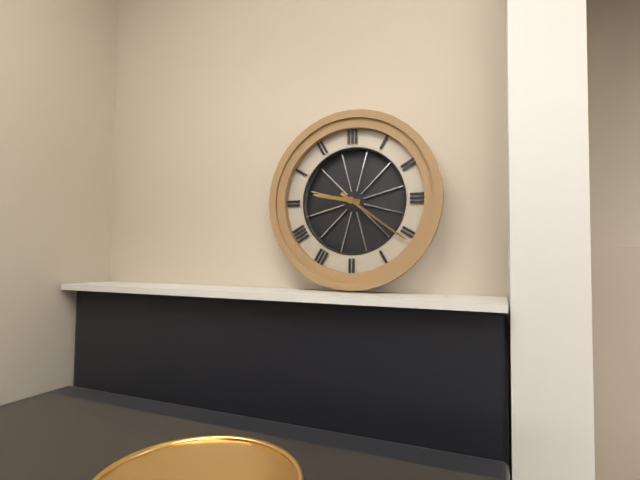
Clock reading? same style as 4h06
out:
9h21
